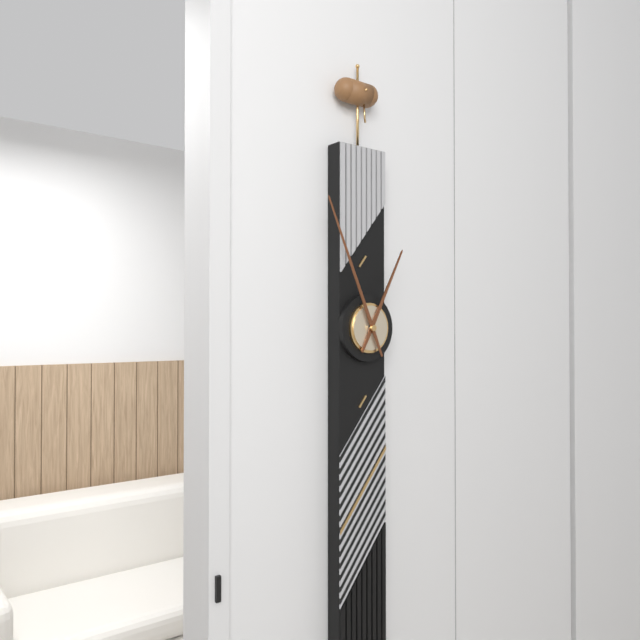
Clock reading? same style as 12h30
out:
12h56
